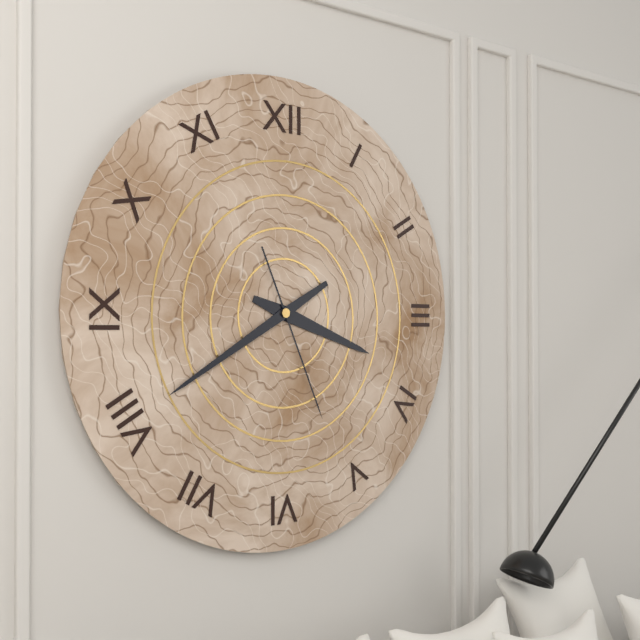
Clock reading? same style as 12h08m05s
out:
3h40m26s
